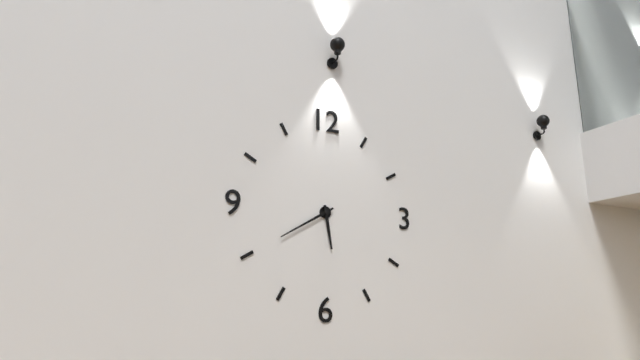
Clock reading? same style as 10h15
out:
5h40
